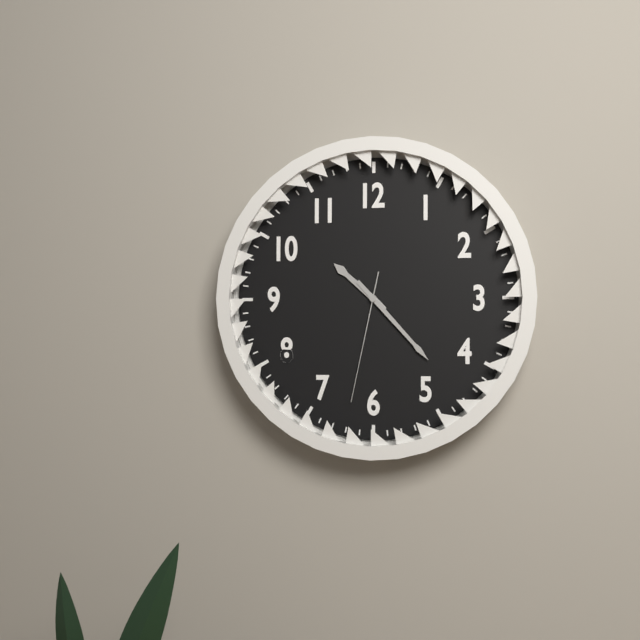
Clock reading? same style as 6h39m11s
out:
10h23m32s
